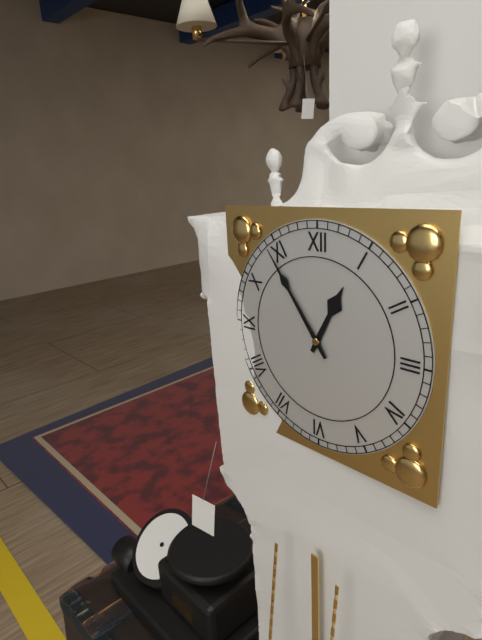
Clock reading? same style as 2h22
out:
12h54
